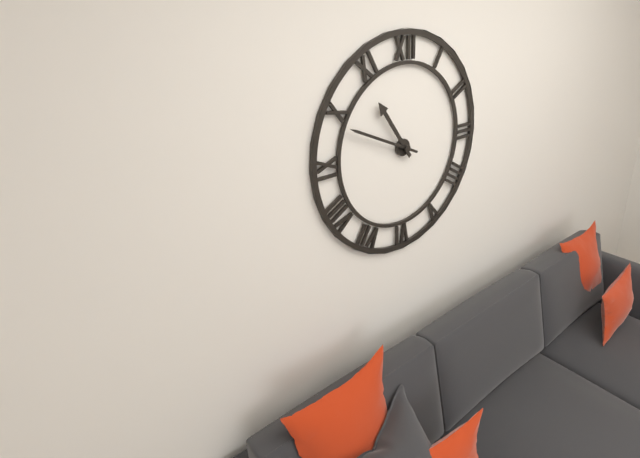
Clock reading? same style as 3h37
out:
10h49
